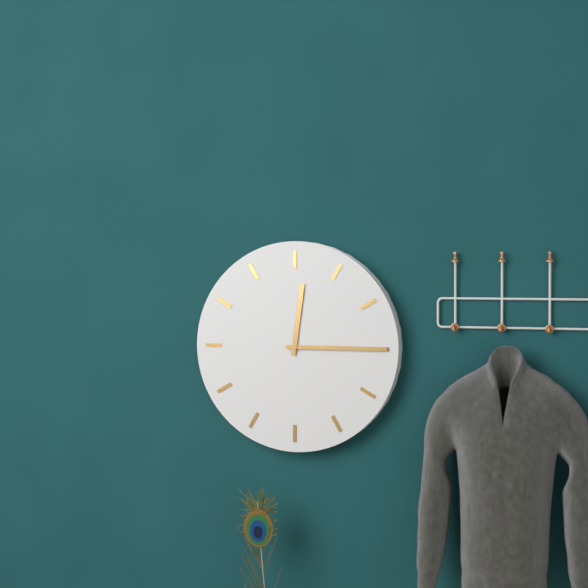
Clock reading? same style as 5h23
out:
12h15
